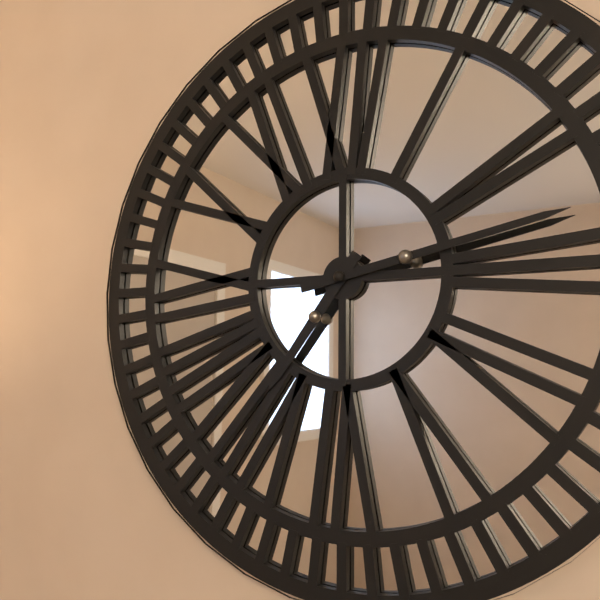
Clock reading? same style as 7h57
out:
7h13
